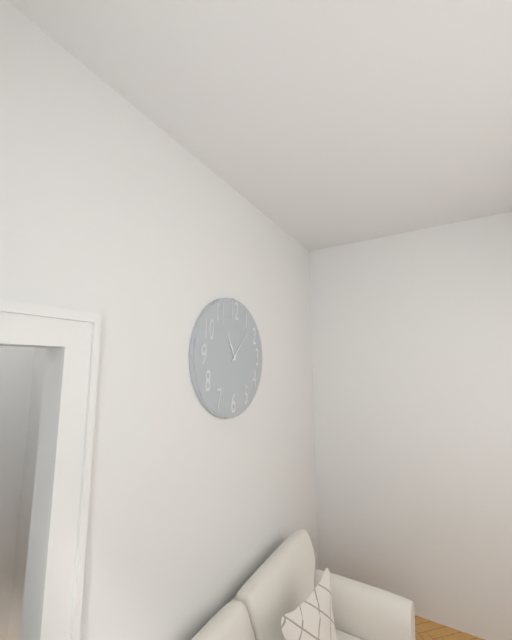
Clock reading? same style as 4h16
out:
11h07
